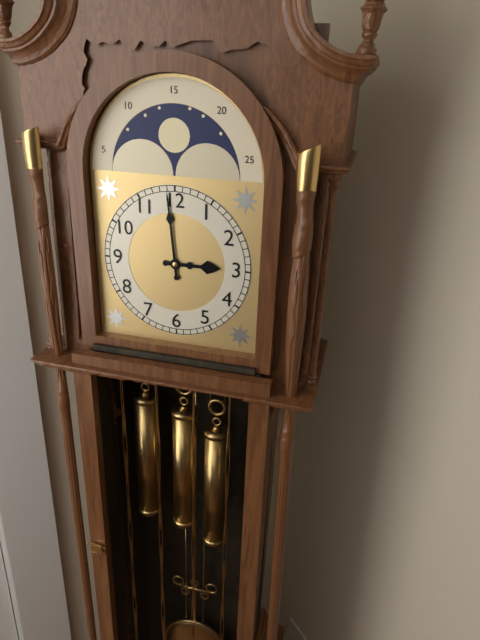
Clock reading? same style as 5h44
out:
2h59
